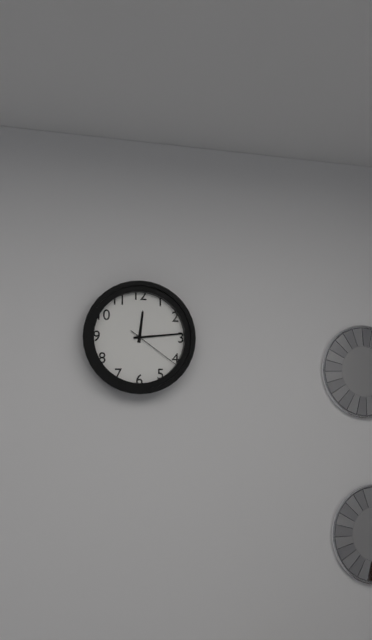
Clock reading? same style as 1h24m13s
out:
12h14m21s
